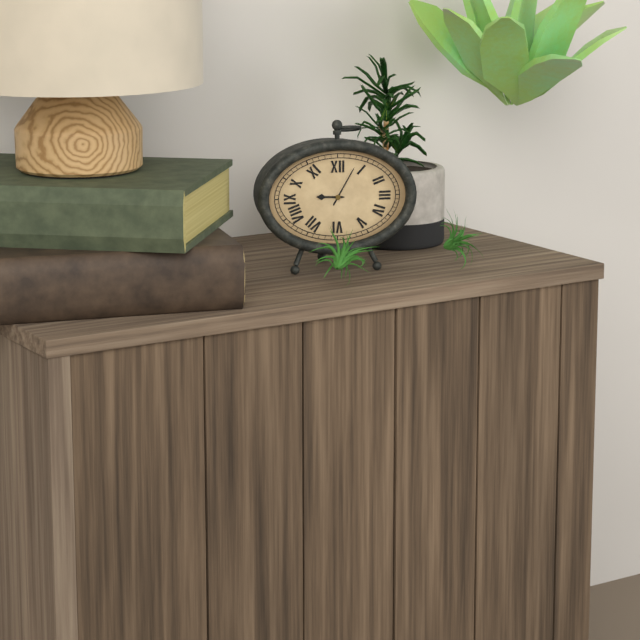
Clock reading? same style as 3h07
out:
9h05
